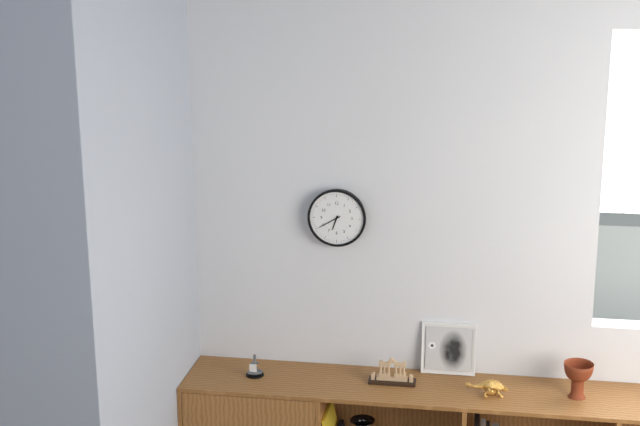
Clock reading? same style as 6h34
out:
6h40
